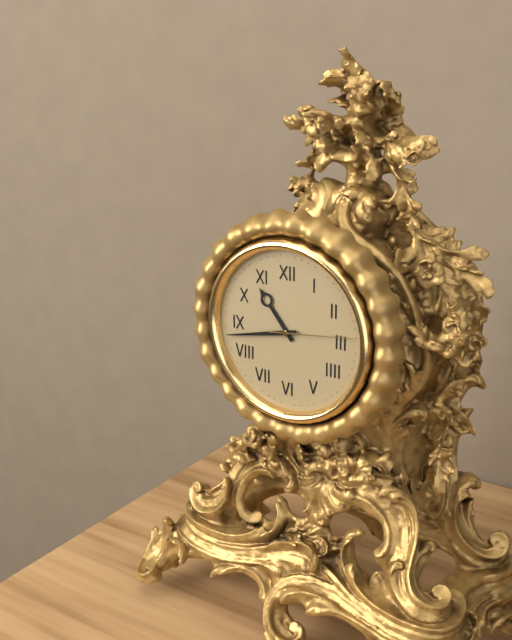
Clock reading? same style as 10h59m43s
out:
10h43m14s
